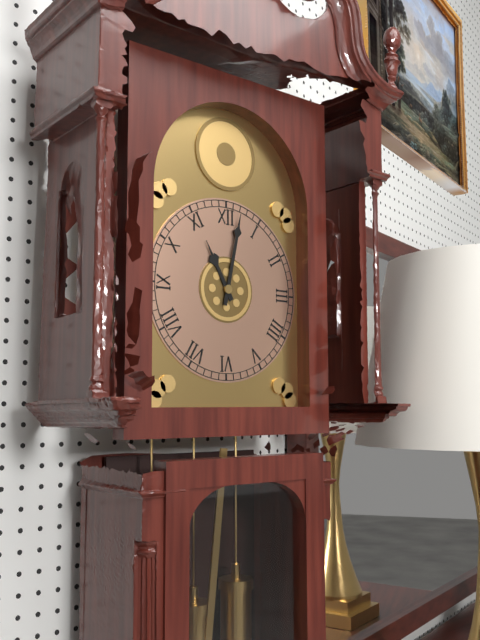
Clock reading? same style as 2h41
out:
11h02
